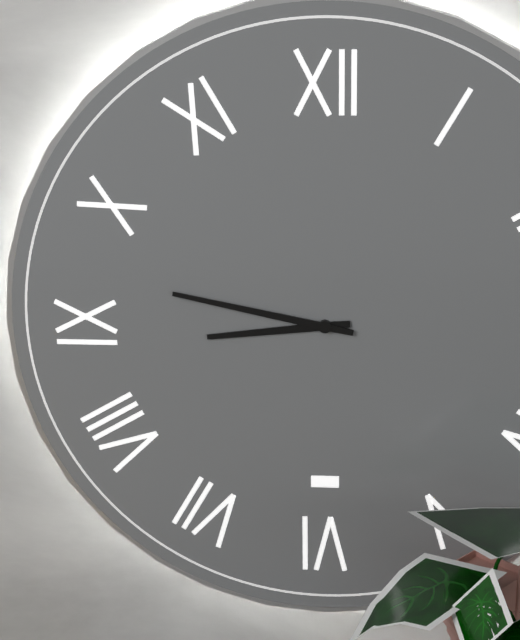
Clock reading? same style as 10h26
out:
8h47
